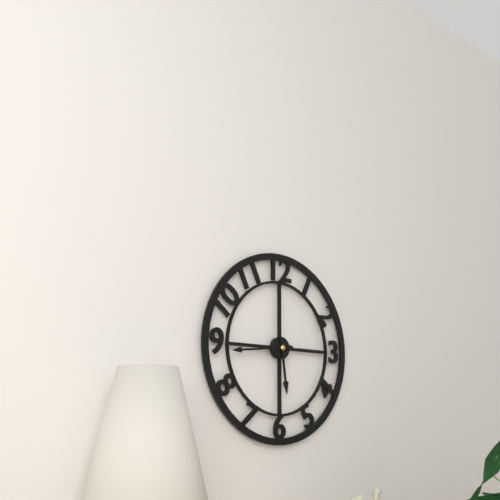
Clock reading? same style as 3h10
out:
5h44
